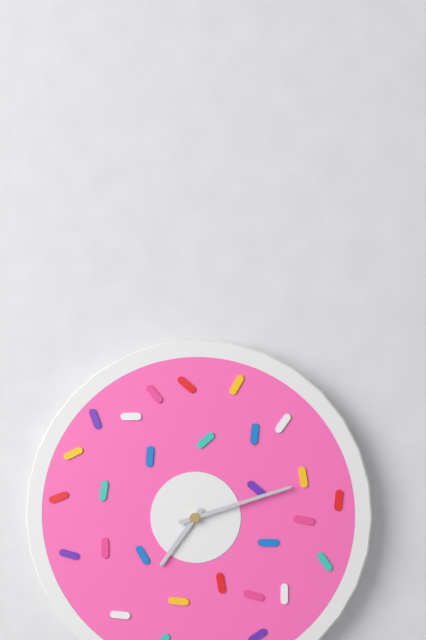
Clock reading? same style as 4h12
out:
7h12
